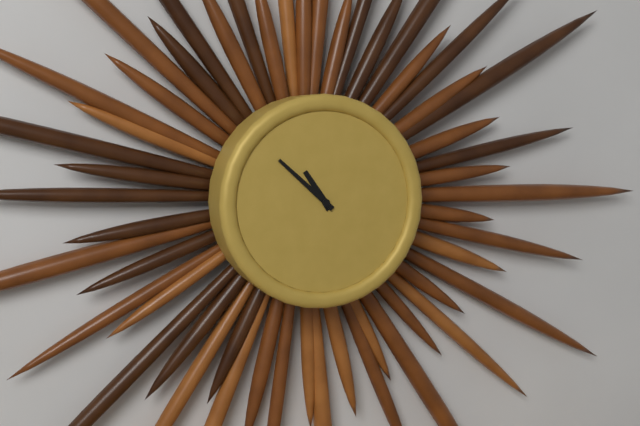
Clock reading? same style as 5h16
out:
10h52
